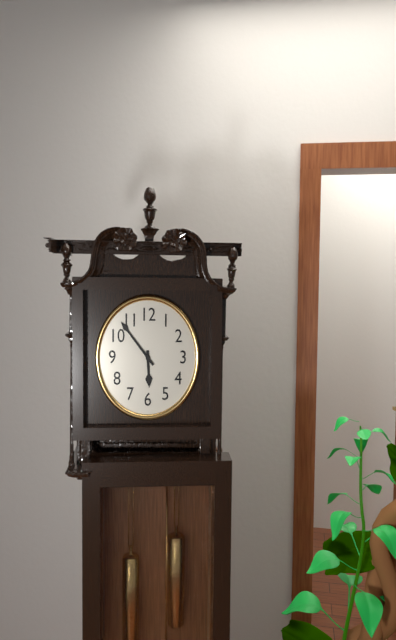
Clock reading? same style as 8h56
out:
5h53
